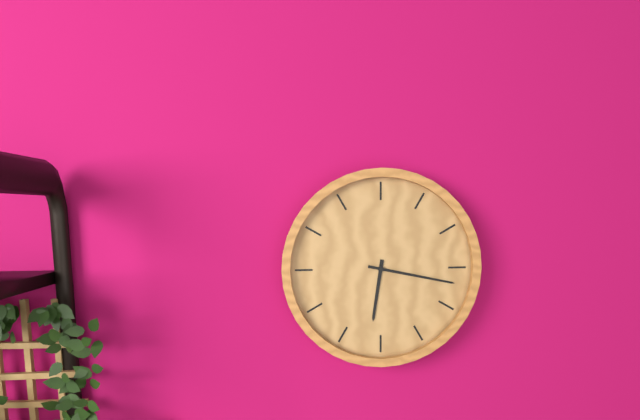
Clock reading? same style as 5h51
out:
6h17
